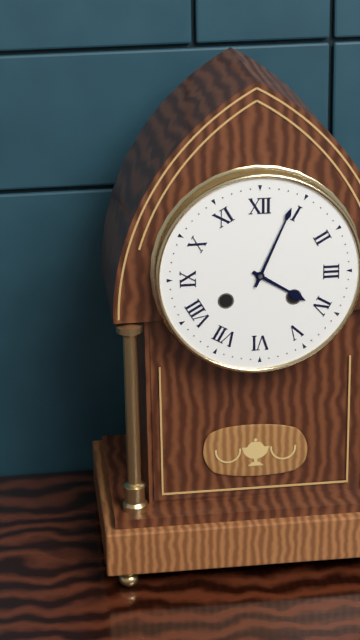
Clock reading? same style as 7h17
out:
4h04
